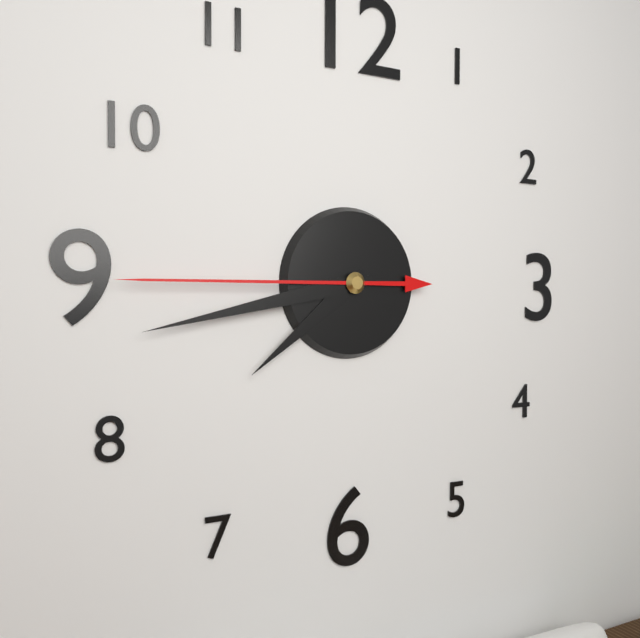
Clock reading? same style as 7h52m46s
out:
7h43m45s
